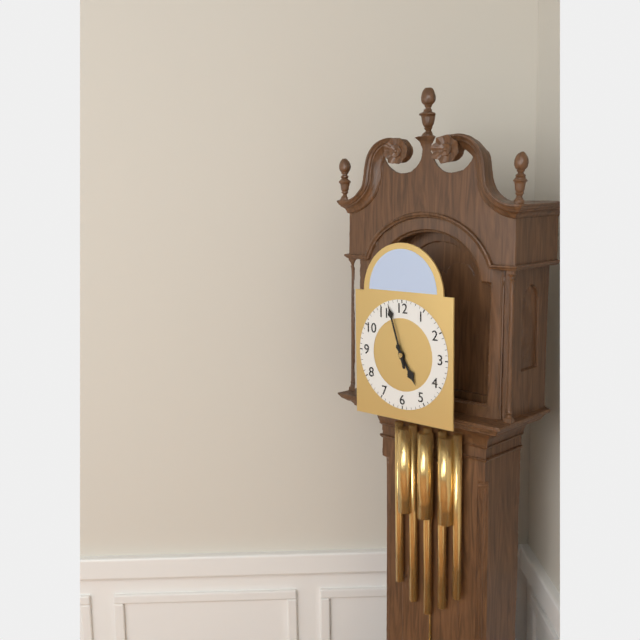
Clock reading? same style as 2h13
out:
4h57
